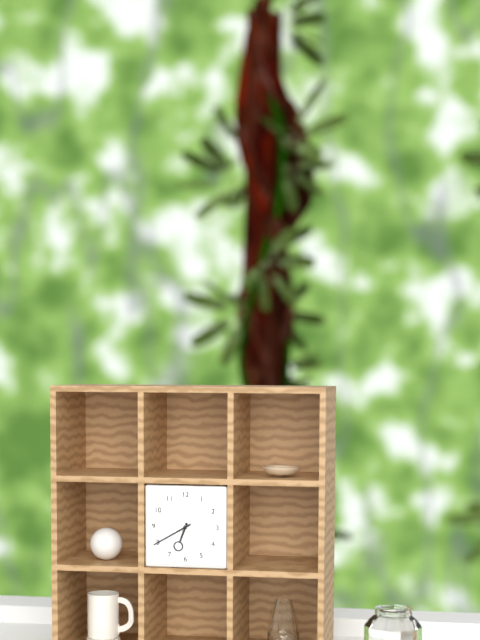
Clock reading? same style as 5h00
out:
6h40
